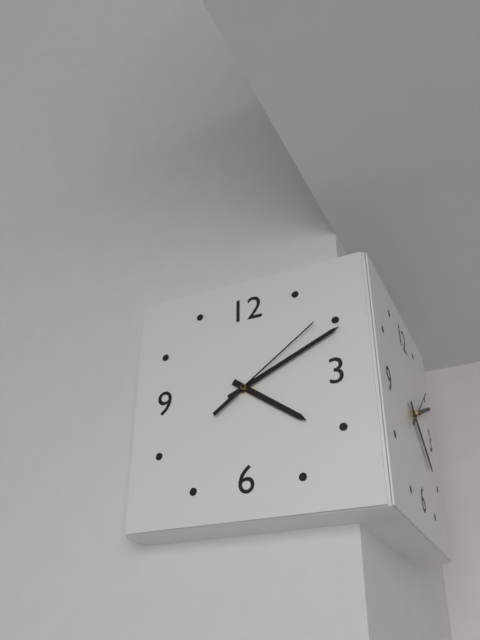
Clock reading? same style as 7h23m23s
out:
4h11m09s
